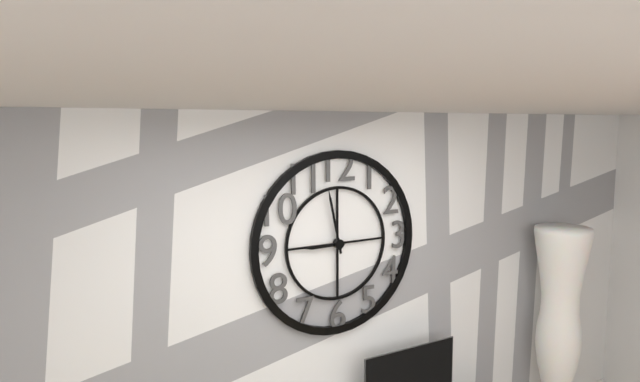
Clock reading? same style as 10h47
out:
8h58
